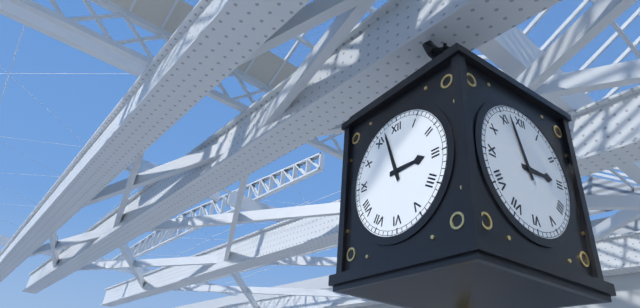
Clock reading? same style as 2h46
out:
2h57
